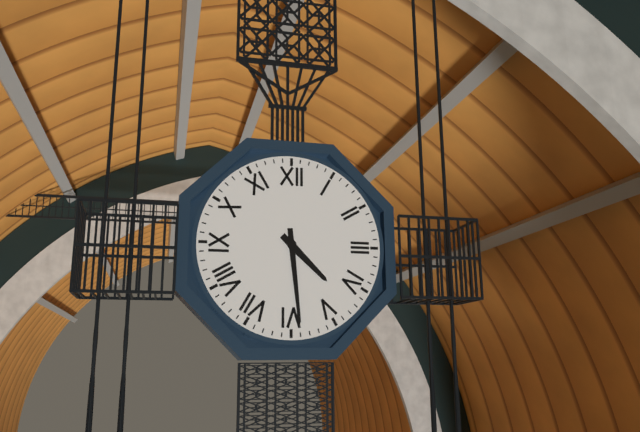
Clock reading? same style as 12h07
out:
4h29
